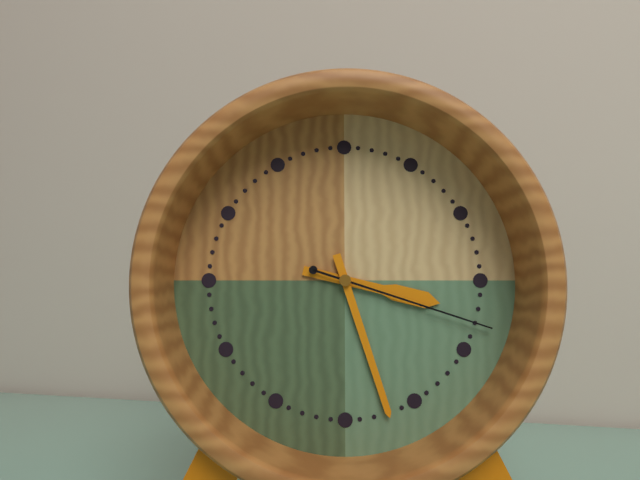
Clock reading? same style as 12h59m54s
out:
3h27m18s
